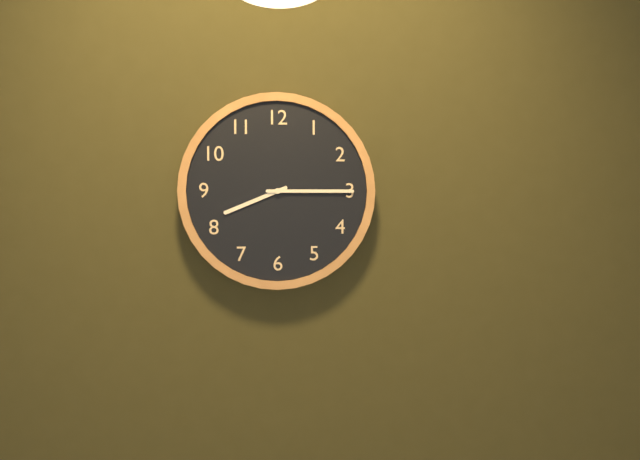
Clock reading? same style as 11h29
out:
8h15
